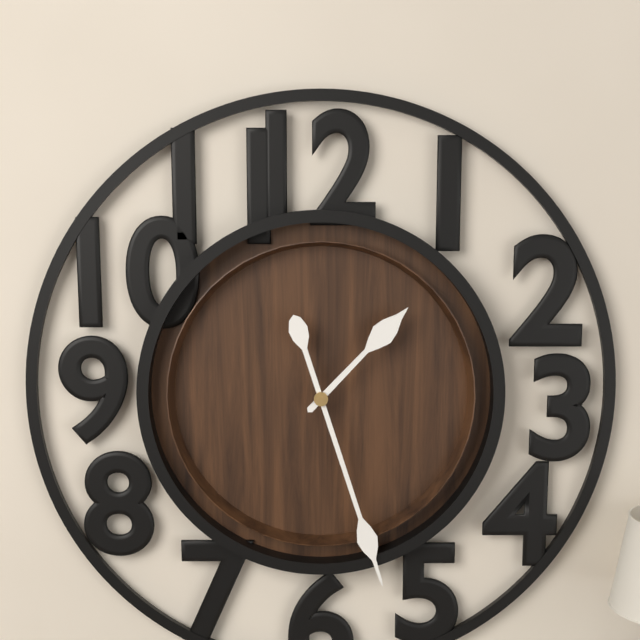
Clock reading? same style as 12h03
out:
1h27
